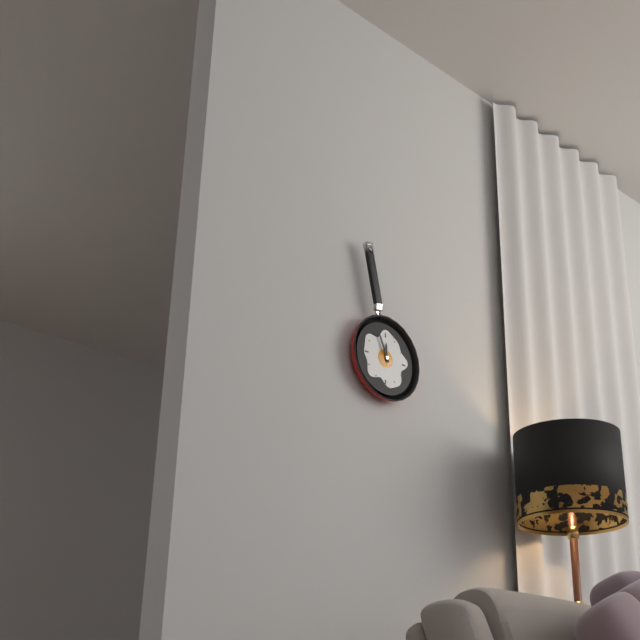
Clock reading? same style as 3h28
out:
11h56
